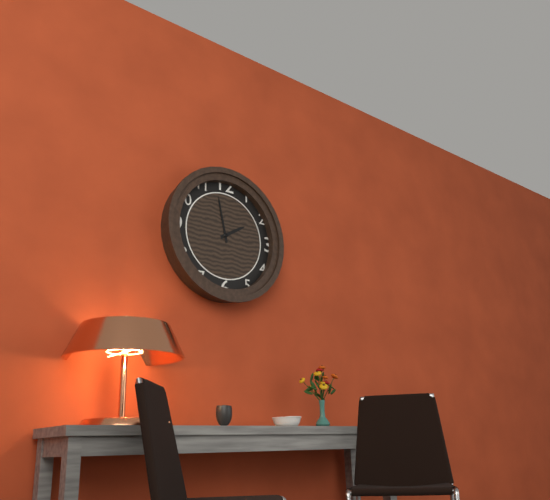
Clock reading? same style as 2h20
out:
1h58
